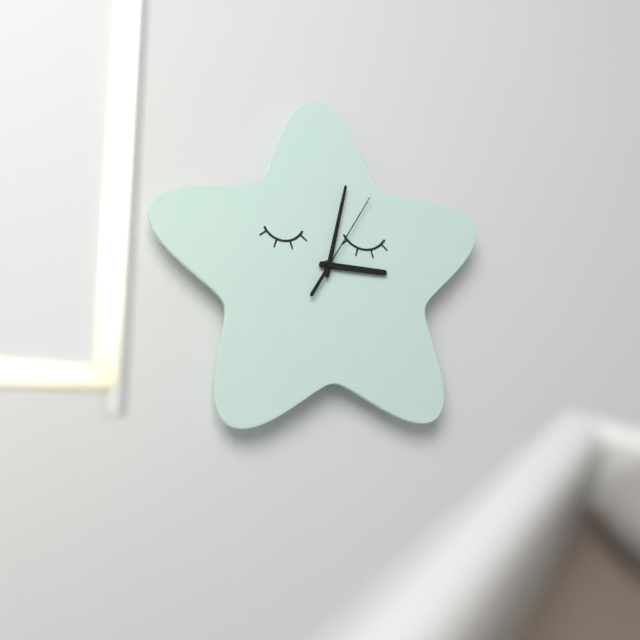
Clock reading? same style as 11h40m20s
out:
3h02m05s
